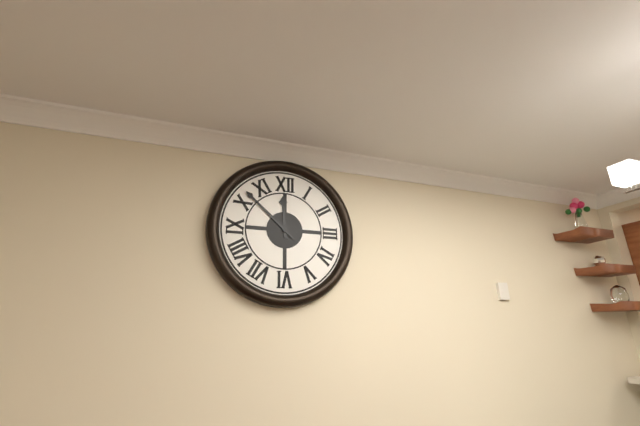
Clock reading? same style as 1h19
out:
11h52
